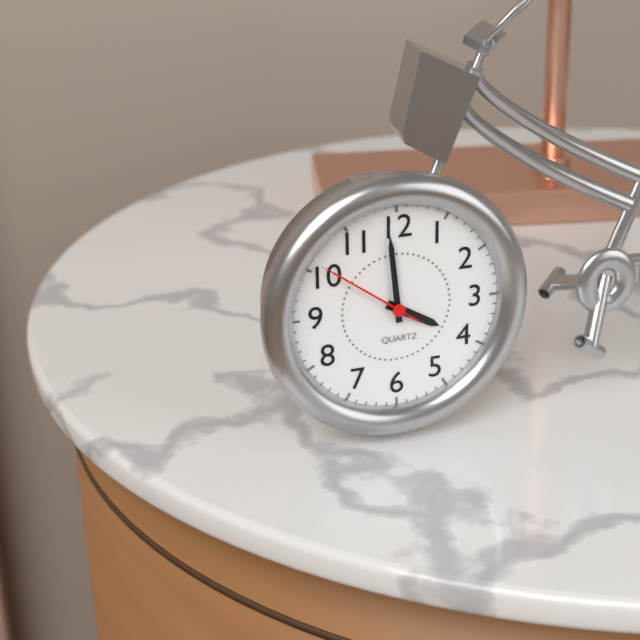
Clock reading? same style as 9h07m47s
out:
3h59m51s
